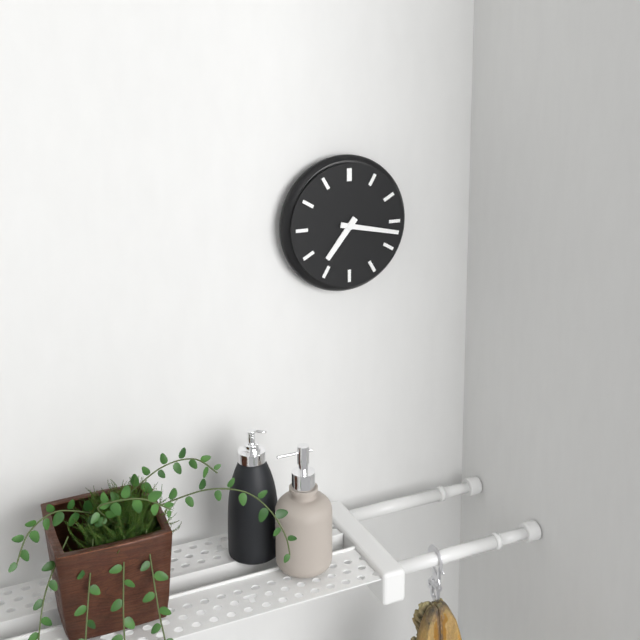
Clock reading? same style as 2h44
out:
7h17
